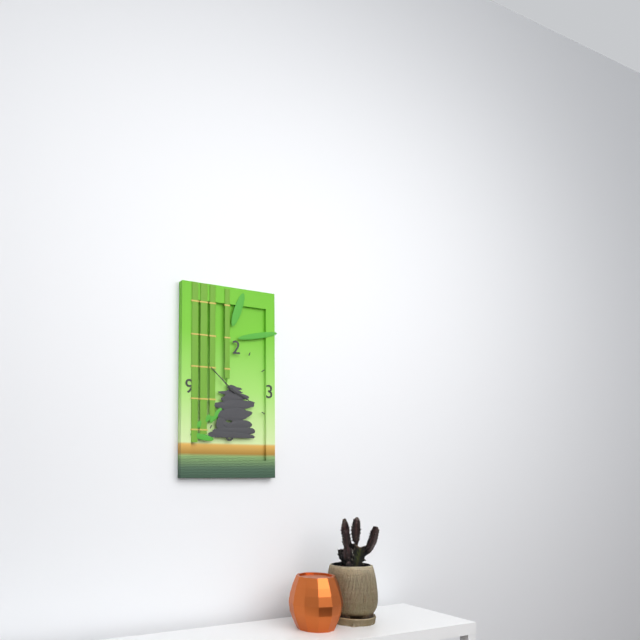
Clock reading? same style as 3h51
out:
3h52
